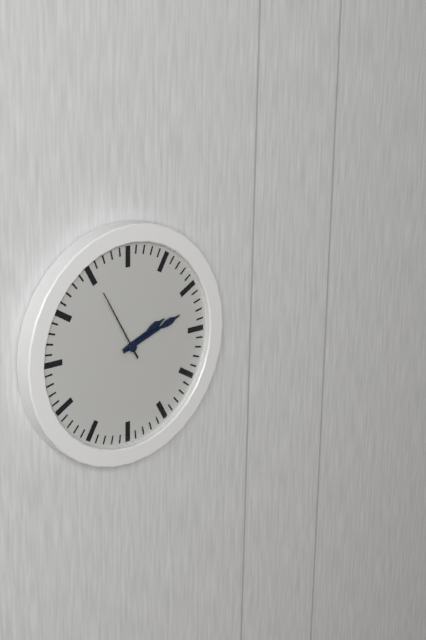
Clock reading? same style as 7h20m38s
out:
2h12m55s
